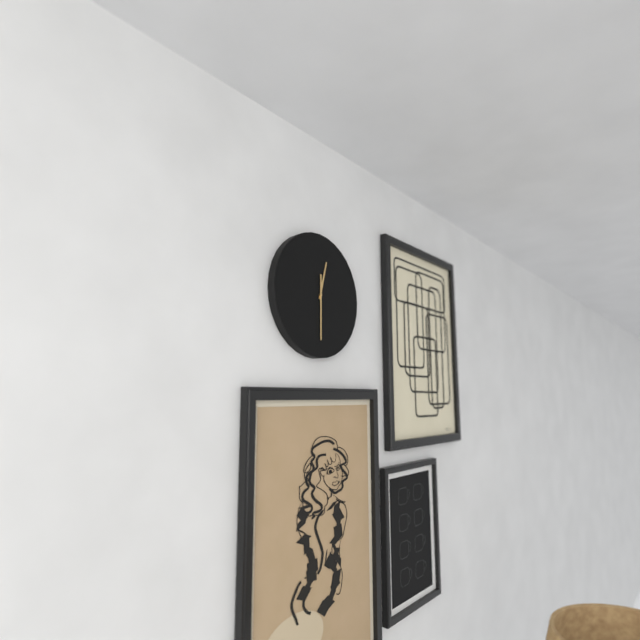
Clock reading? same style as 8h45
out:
12h30
